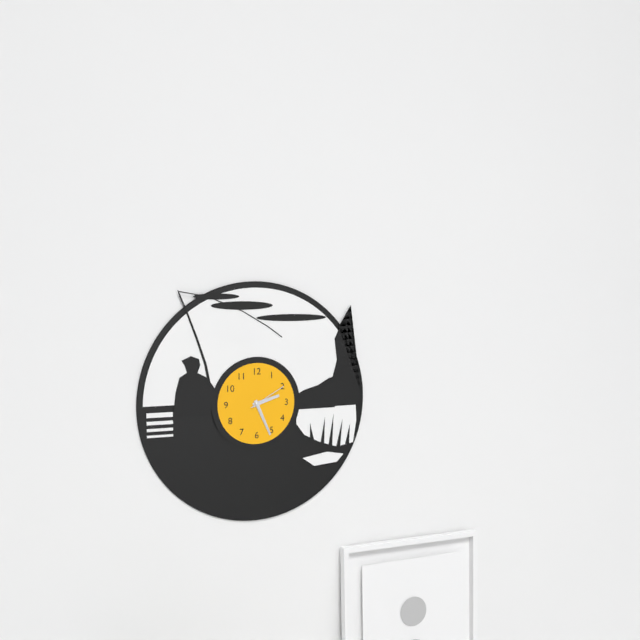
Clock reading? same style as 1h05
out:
2h26
